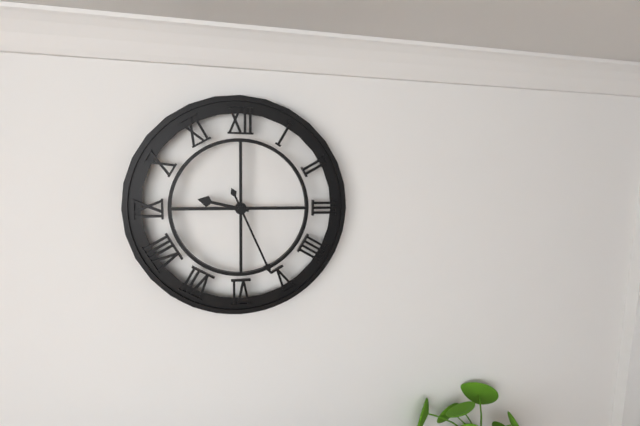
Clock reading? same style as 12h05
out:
9h26
